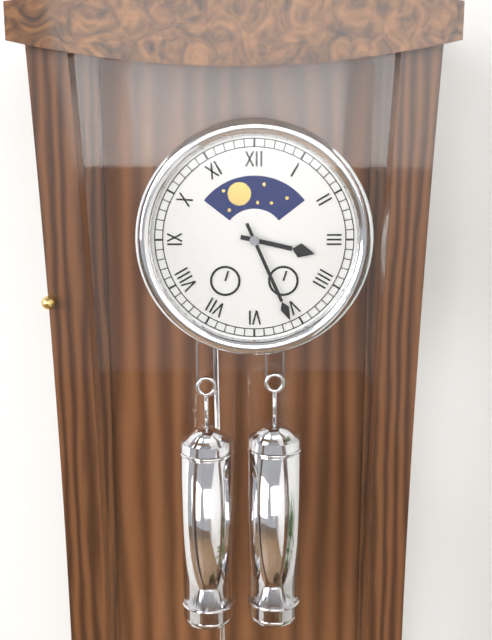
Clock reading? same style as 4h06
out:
3h26
